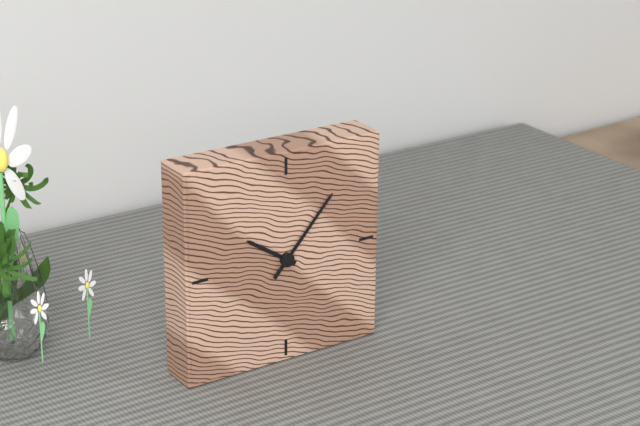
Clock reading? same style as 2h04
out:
10h07
